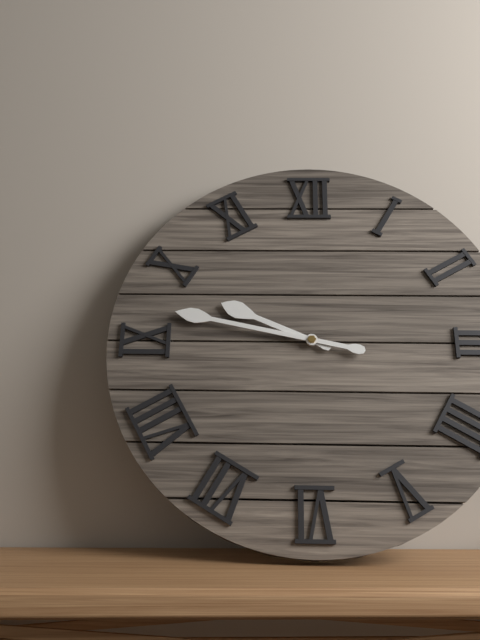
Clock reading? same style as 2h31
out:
9h47
